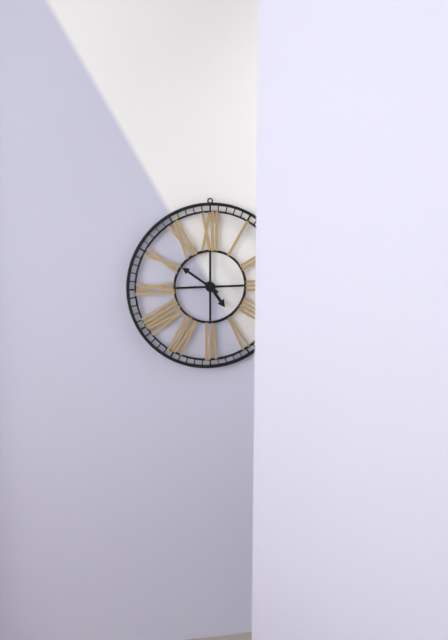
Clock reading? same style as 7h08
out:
4h51
